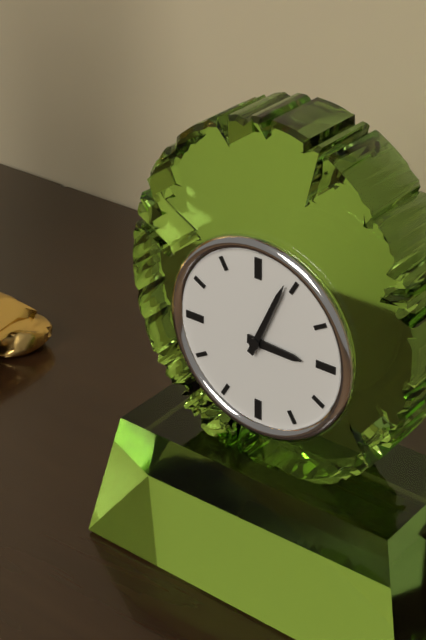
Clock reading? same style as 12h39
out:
3h04
